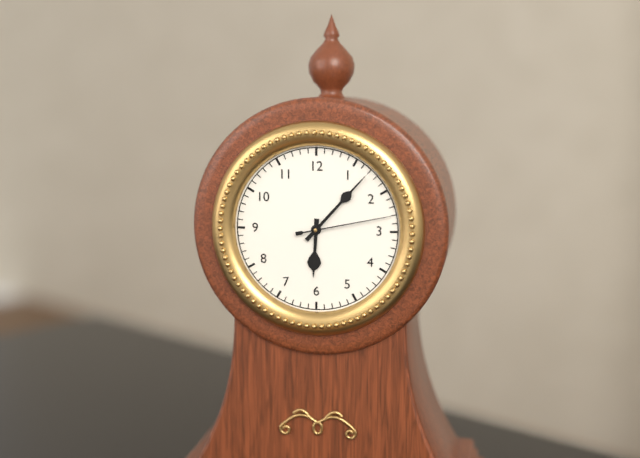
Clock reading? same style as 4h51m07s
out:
6h07m13s
